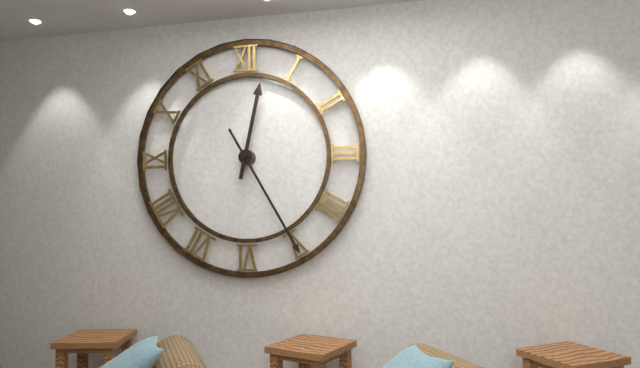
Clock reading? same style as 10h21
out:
12h25
